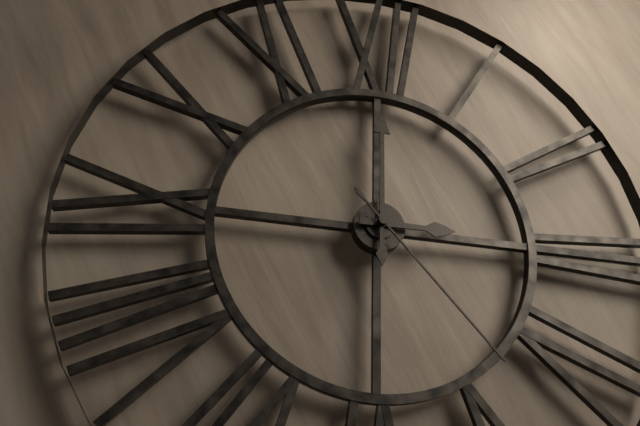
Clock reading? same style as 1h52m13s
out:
3h00m23s
